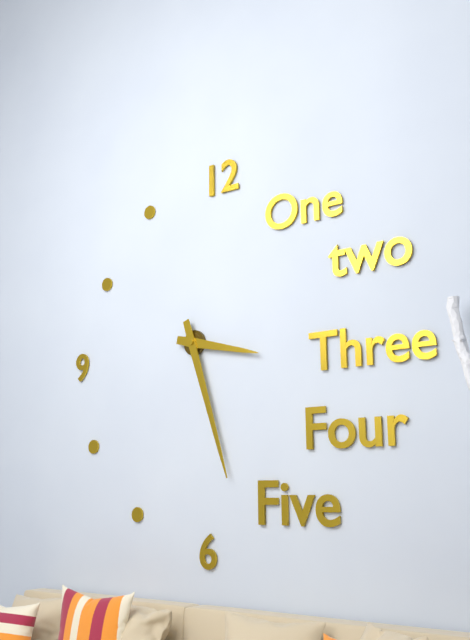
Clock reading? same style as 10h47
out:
3h27
